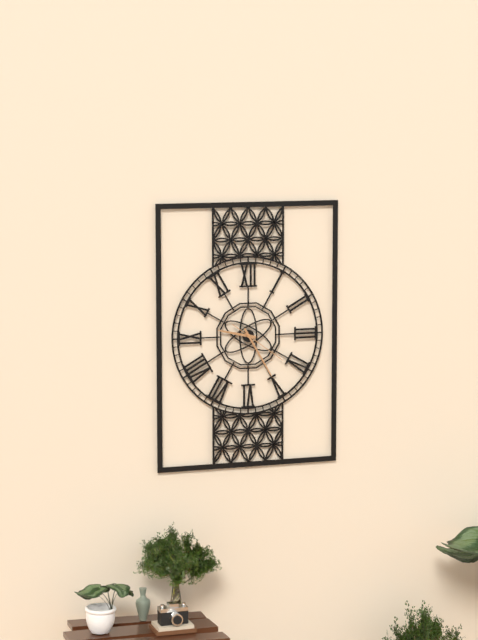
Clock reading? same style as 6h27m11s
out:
9h25m21s
